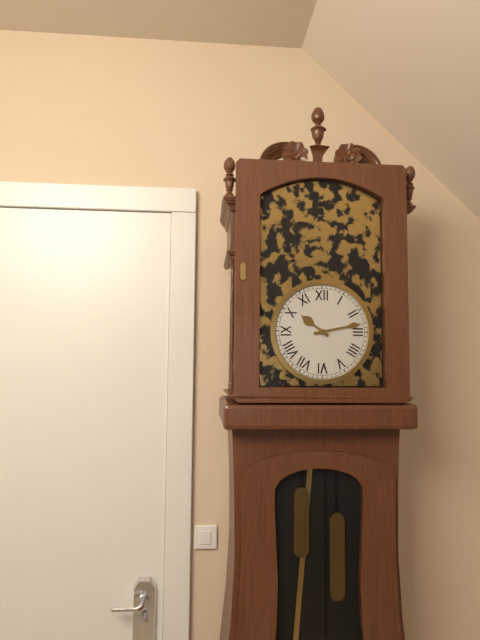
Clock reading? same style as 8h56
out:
10h13
